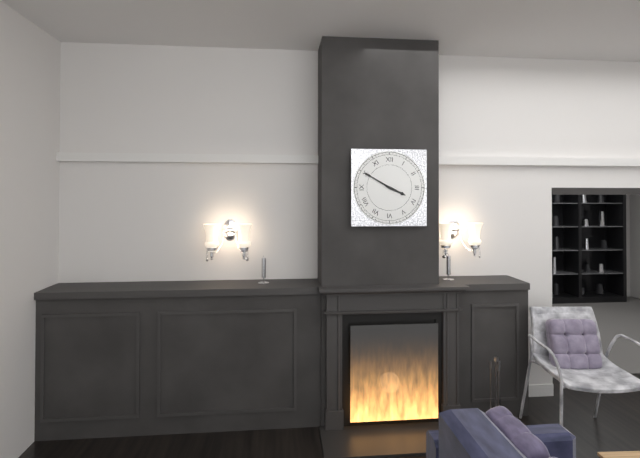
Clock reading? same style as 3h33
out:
3h50
